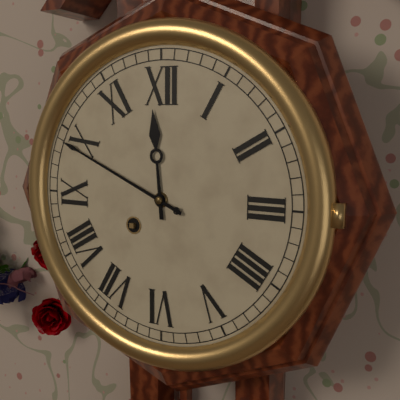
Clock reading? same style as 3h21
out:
11h49
